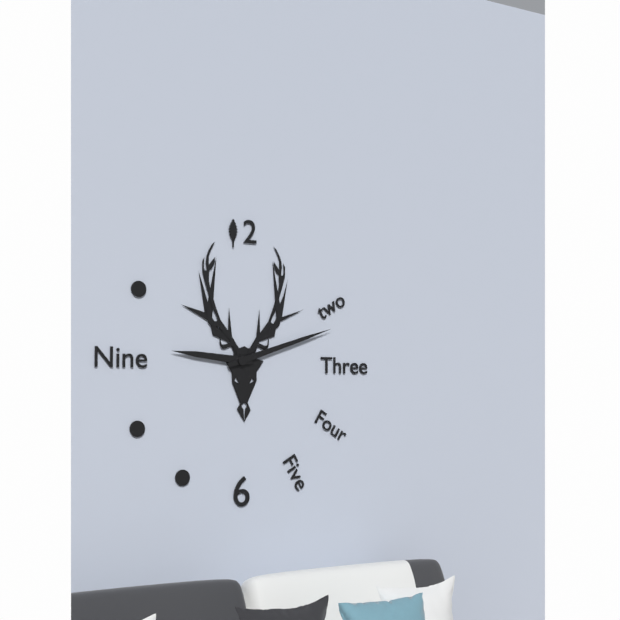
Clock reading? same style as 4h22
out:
9h12
